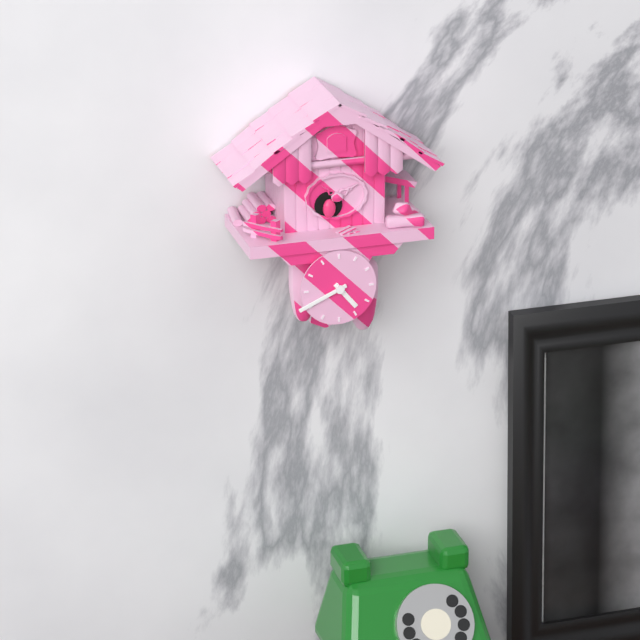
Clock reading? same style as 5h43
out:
4h41
